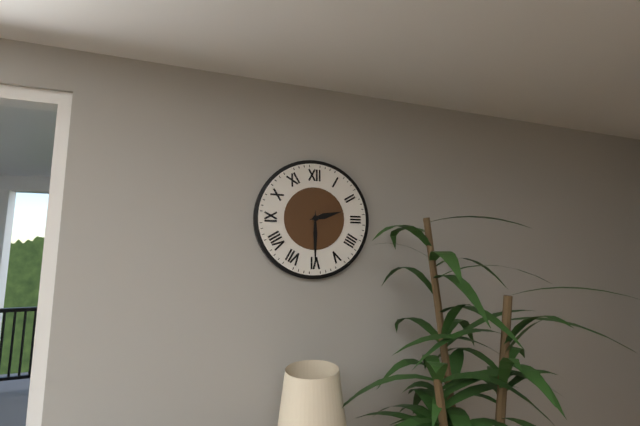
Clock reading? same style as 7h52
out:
2h30
